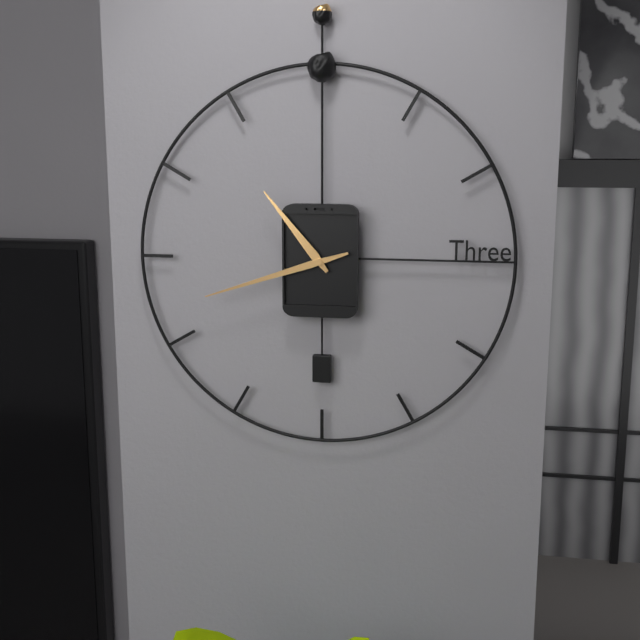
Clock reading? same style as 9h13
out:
10h42
